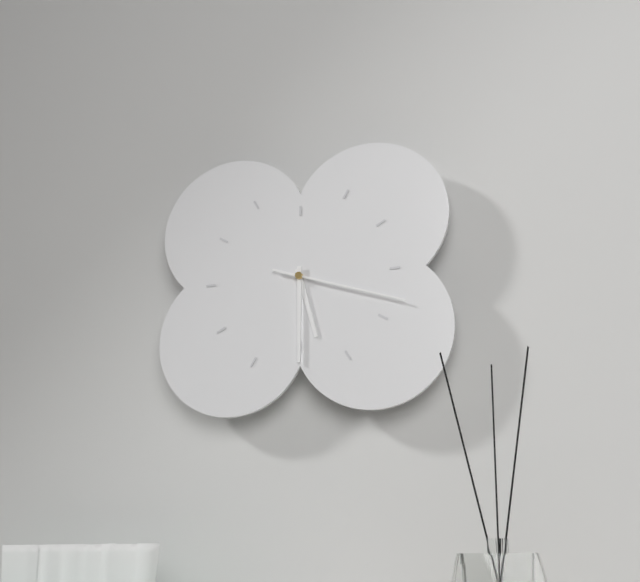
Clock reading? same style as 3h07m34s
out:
5h30m18s
